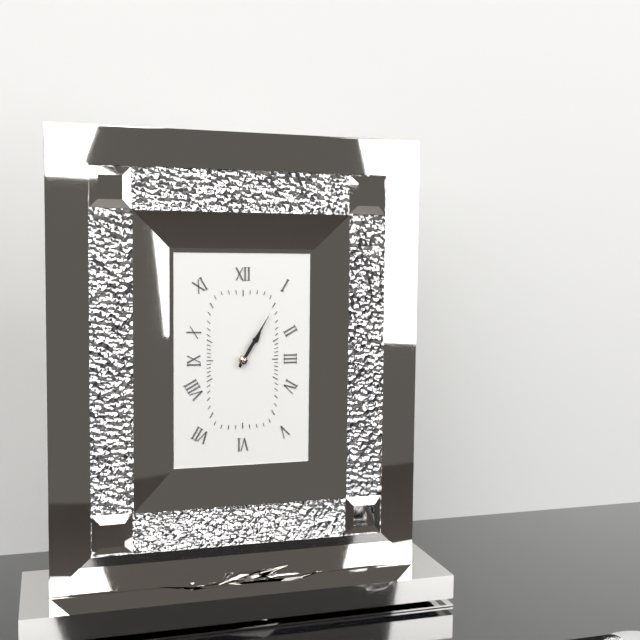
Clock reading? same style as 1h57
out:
1h05
